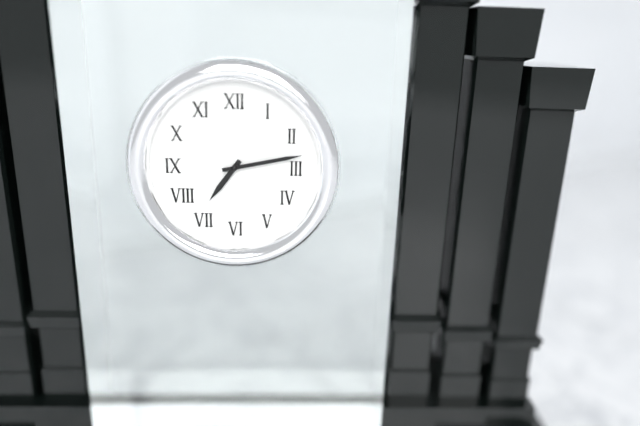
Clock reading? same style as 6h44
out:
7h13
